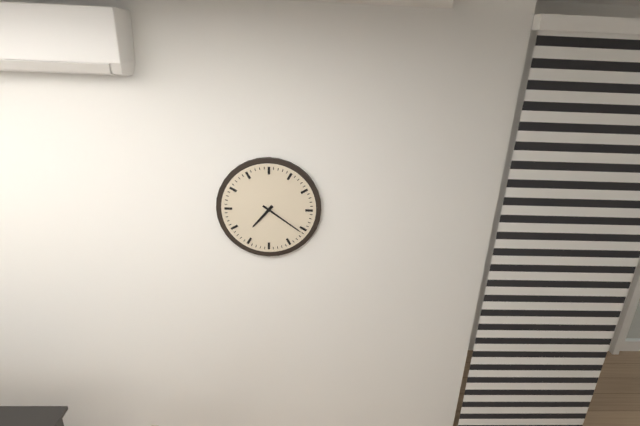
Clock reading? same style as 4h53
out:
7h21
